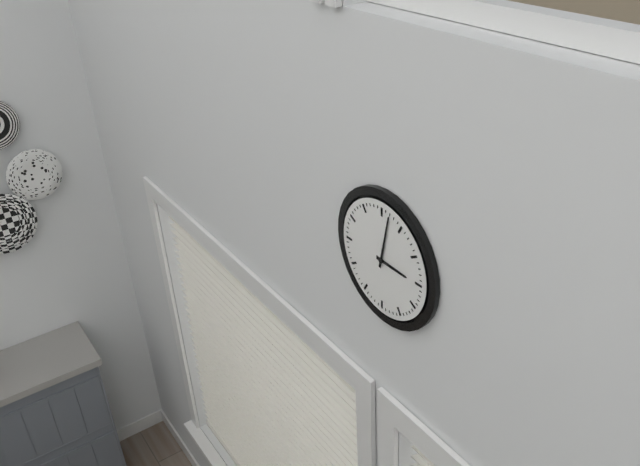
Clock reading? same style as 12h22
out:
3h02
